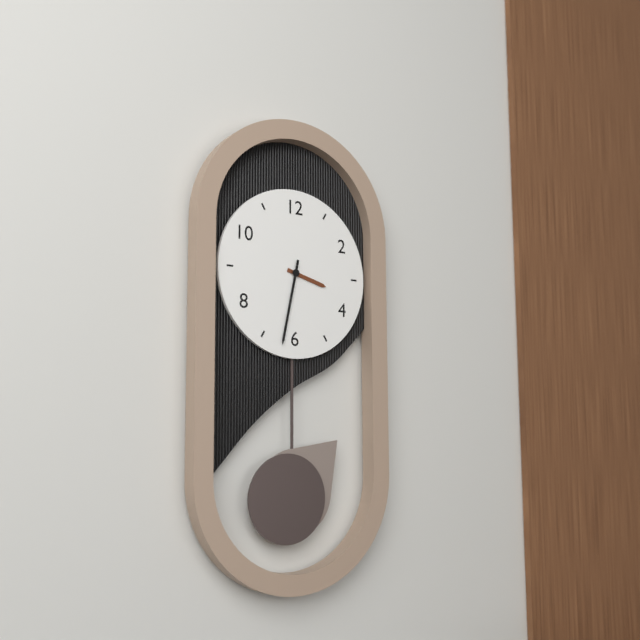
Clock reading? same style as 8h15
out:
3h32
